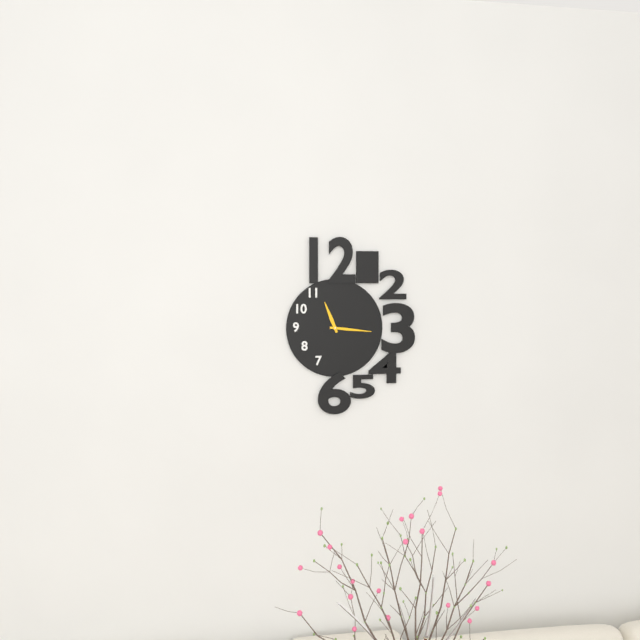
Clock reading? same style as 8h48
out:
11h16
